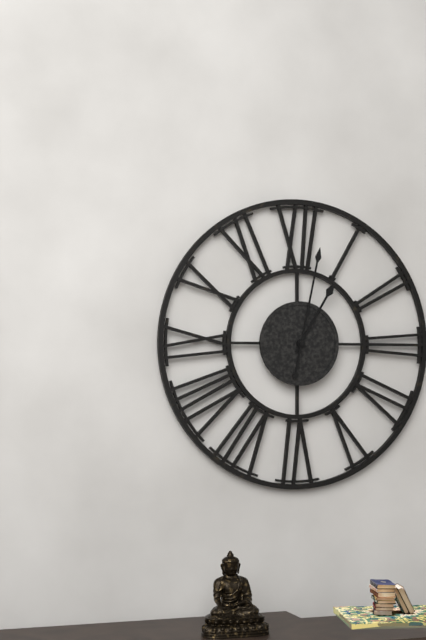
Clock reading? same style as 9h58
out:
1h02
